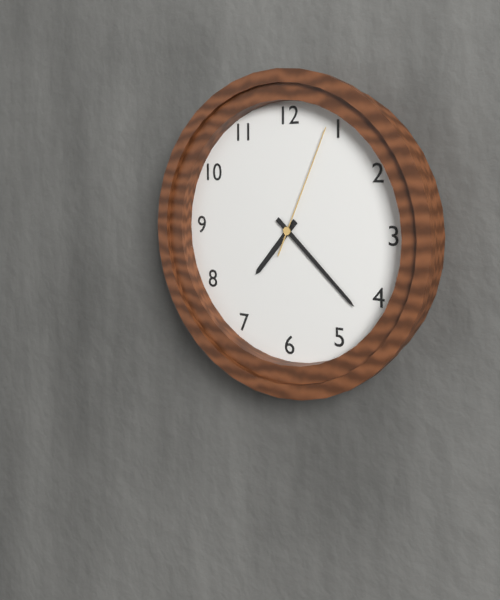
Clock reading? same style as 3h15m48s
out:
7h22m04s
